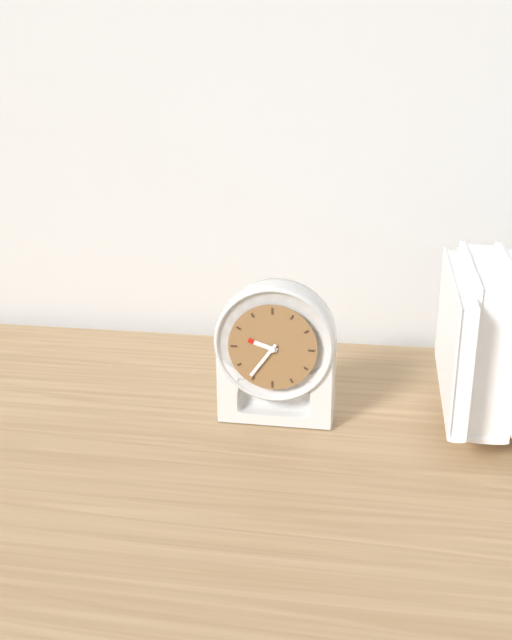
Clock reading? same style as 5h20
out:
9h36
